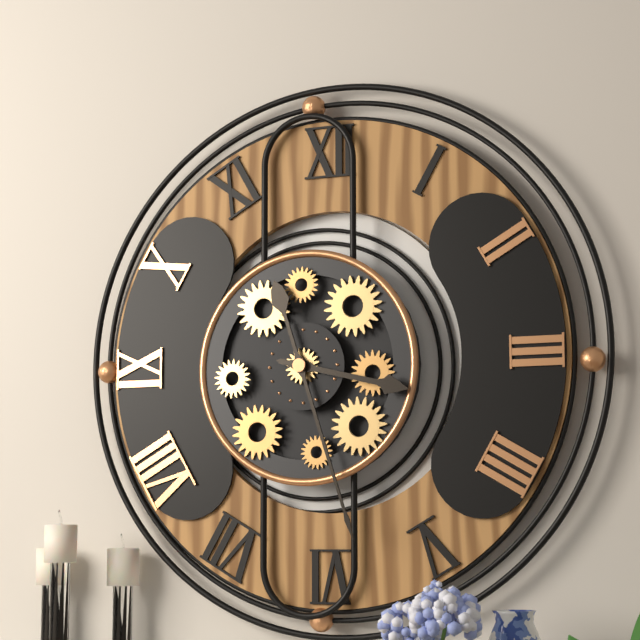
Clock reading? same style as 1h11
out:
3h27
